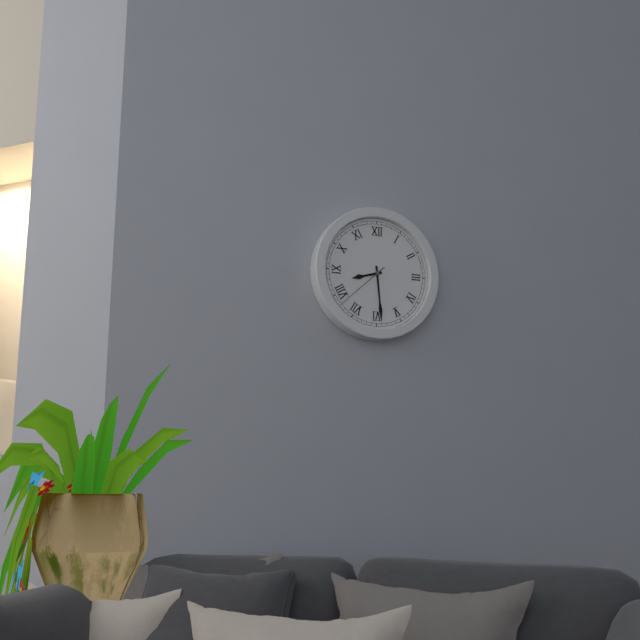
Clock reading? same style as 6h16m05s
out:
8h29m38s
